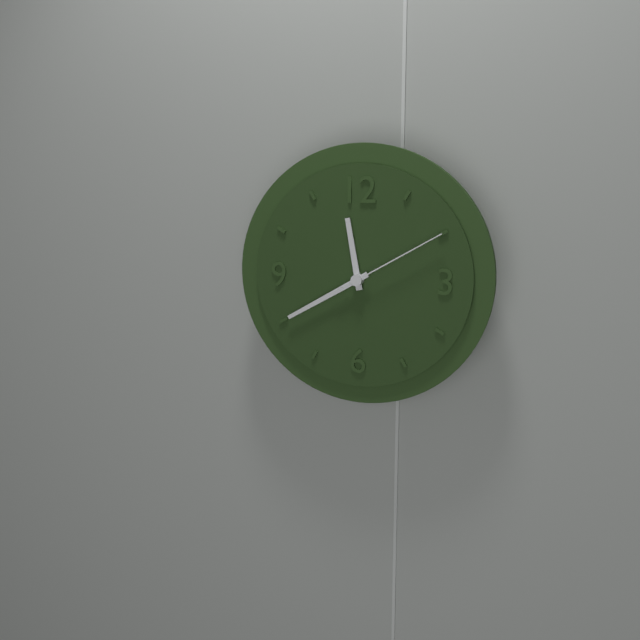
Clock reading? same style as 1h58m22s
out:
11h40m10s
